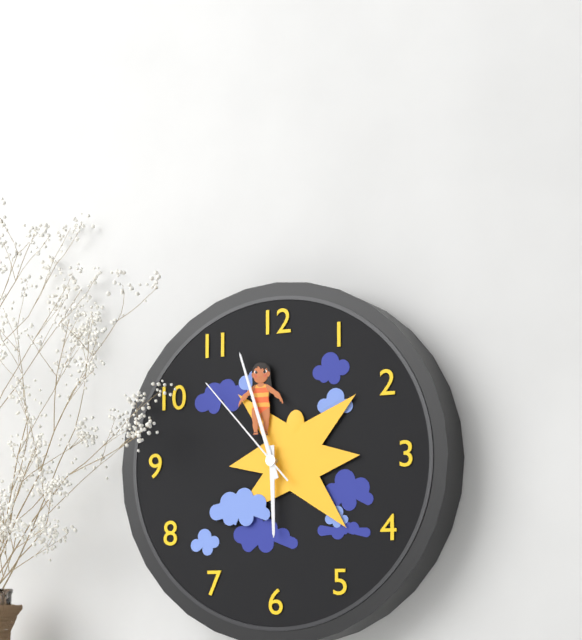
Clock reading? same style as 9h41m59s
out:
5h57m53s
